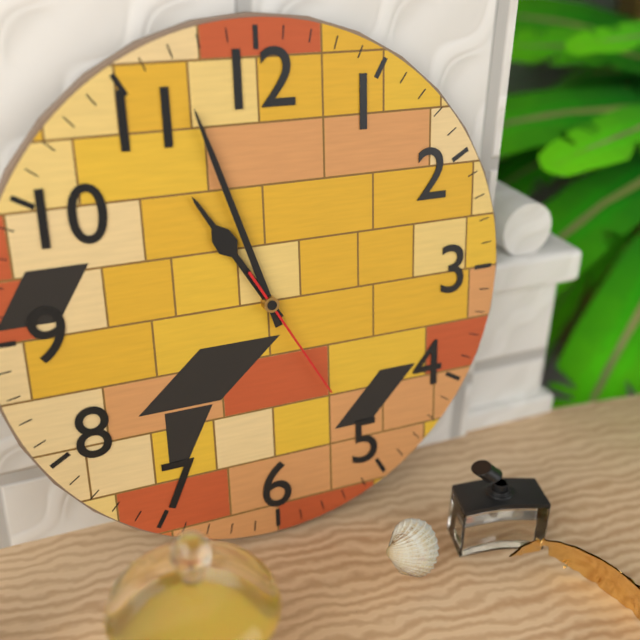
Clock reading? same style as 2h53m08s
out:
10h57m25s
